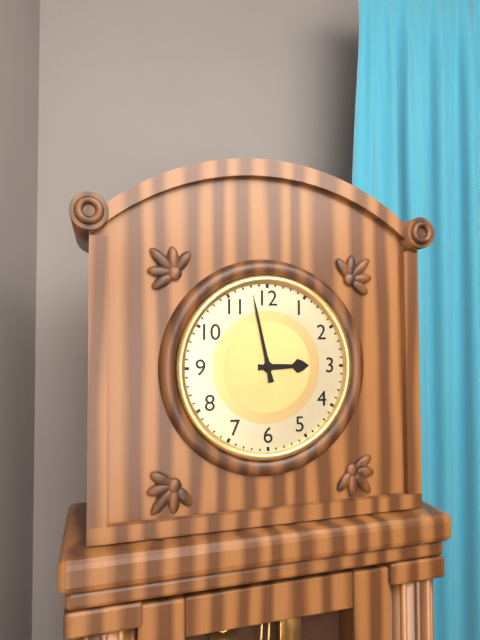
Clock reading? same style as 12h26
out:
2h58
